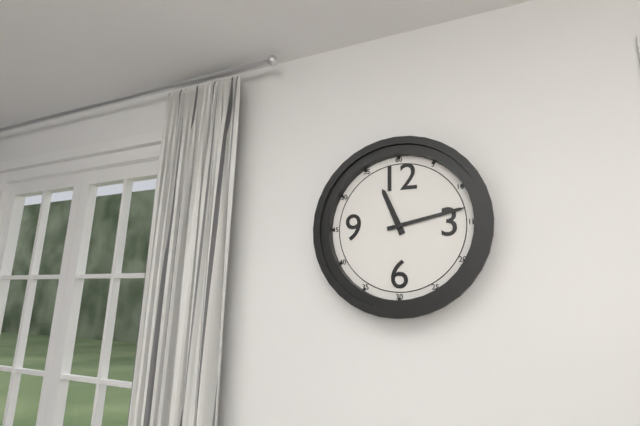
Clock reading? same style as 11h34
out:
11h13
